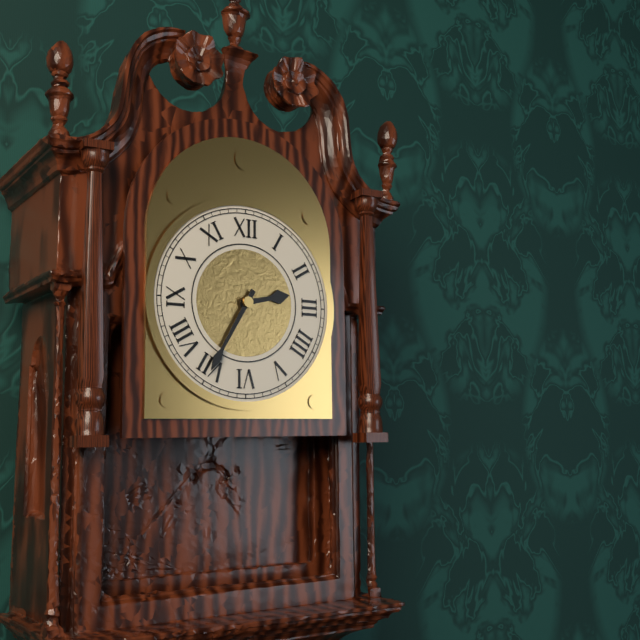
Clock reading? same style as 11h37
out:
2h35
